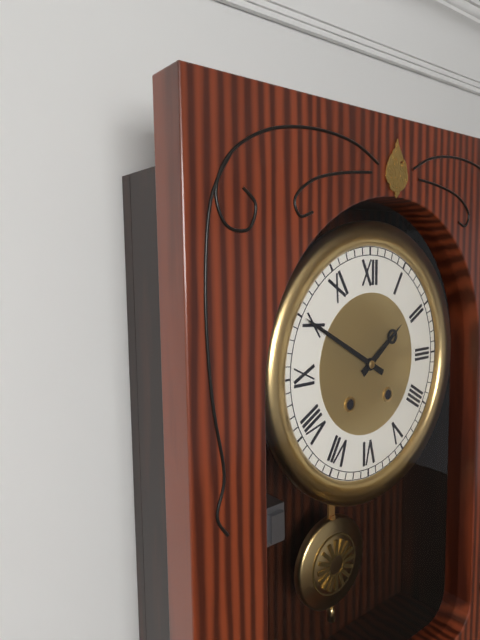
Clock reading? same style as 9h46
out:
1h50
